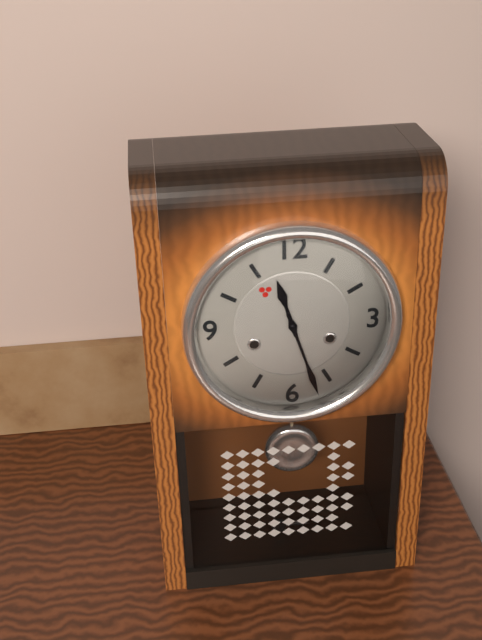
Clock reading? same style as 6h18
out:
11h27
